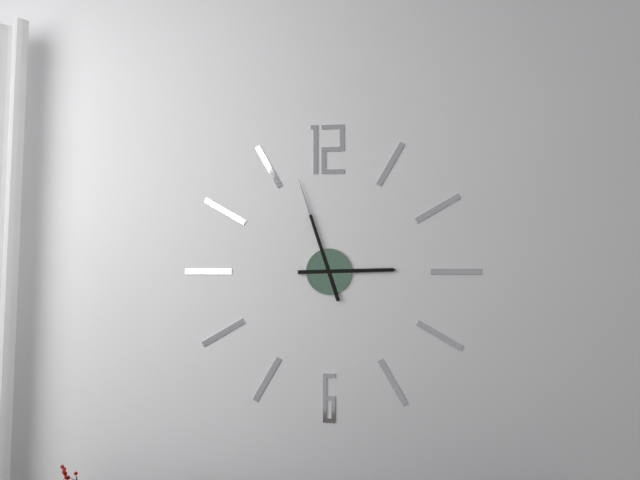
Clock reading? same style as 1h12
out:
2h57
